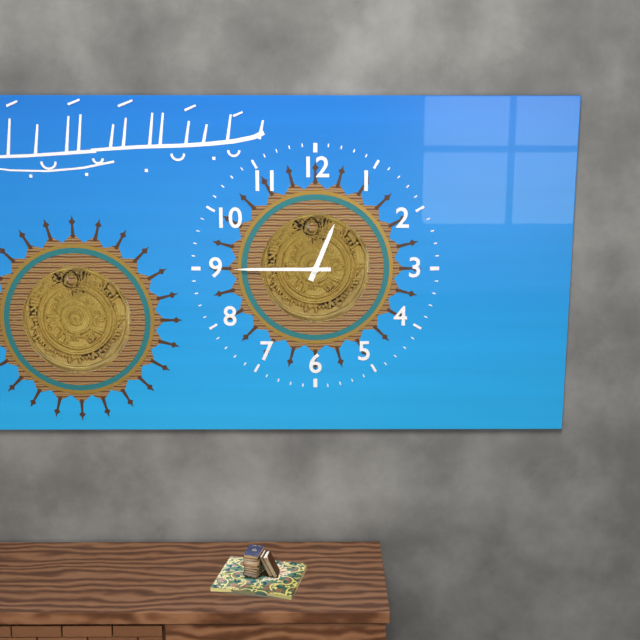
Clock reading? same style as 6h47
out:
12h45
